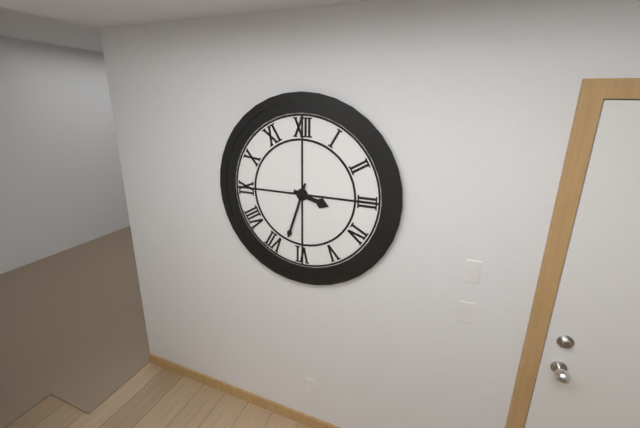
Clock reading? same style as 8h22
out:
3h33
